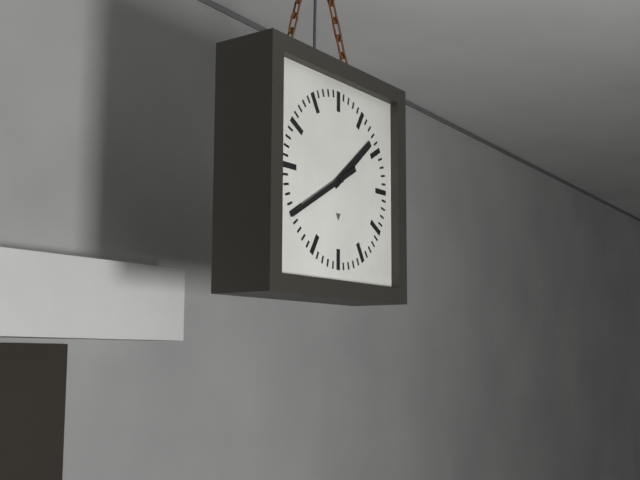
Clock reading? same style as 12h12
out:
1h40
